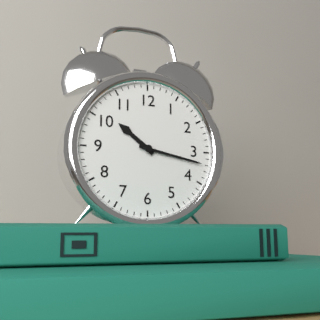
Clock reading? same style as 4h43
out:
10h17
